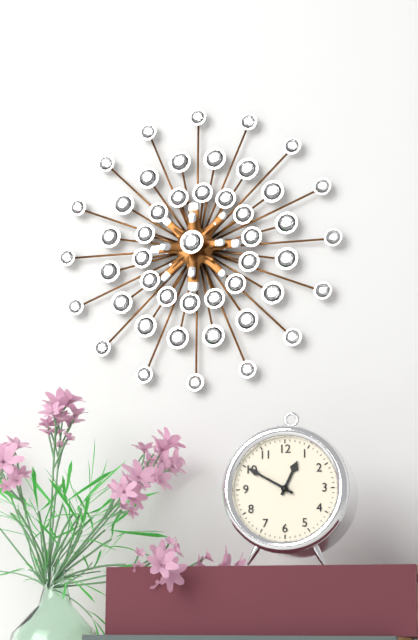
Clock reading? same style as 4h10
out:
12h50
